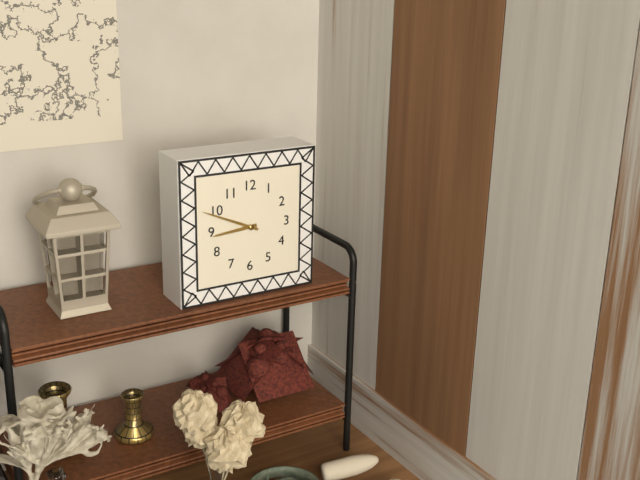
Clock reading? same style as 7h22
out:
8h49
